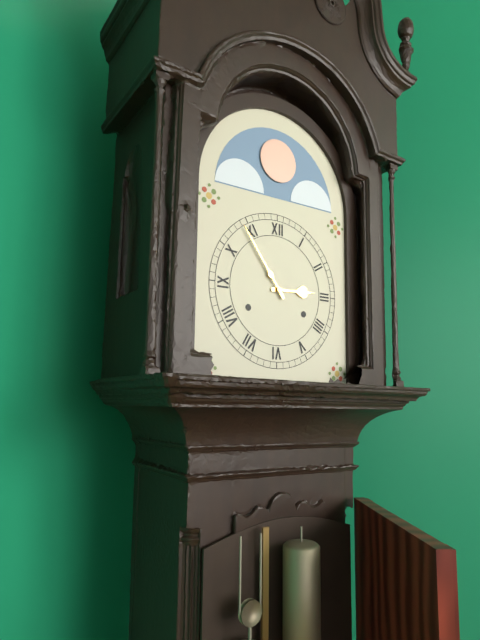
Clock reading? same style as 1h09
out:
2h54
